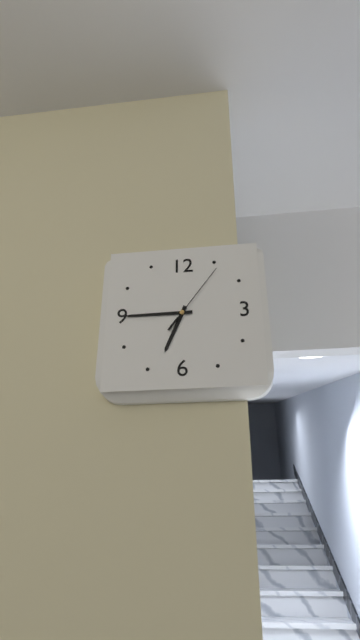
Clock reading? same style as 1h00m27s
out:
6h45m06s
